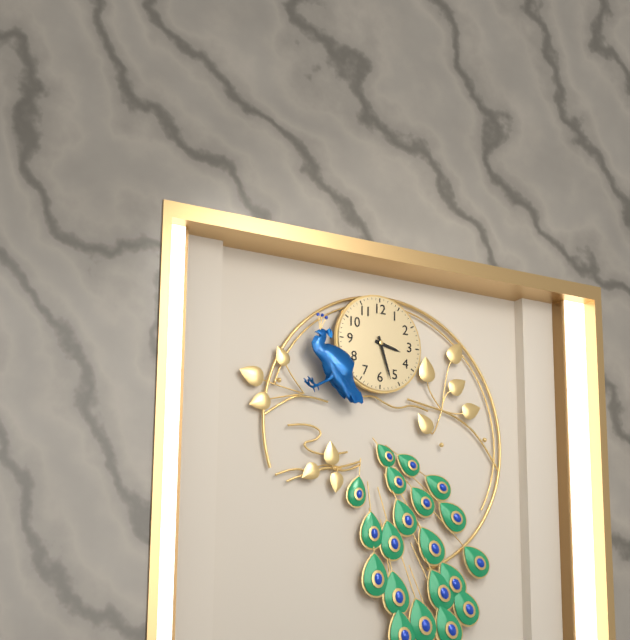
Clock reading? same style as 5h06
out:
3h27
